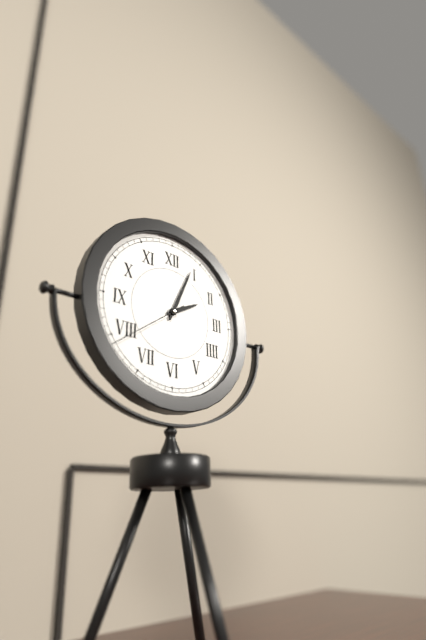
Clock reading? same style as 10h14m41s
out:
2h04m39s
